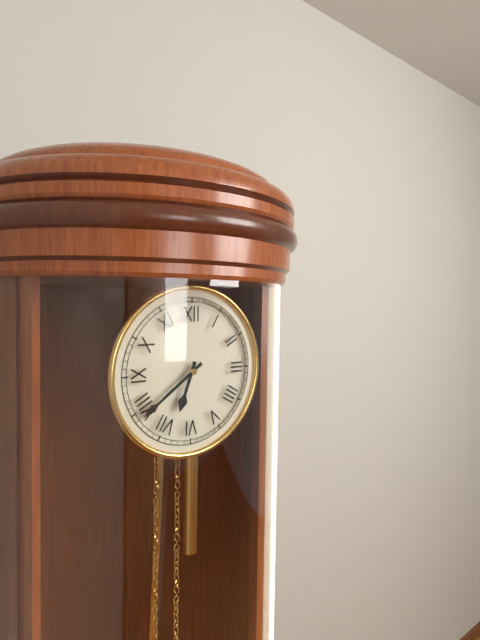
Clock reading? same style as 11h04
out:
6h39
